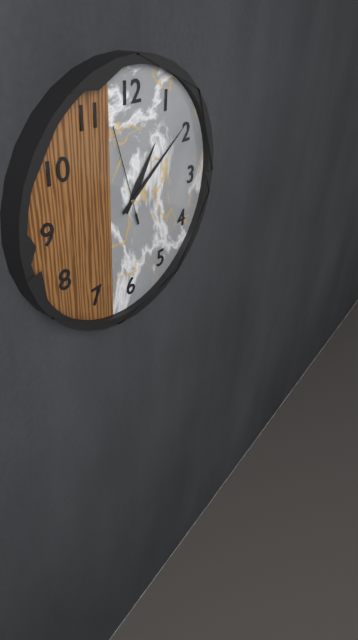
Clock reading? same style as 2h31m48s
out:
1h09m57s
